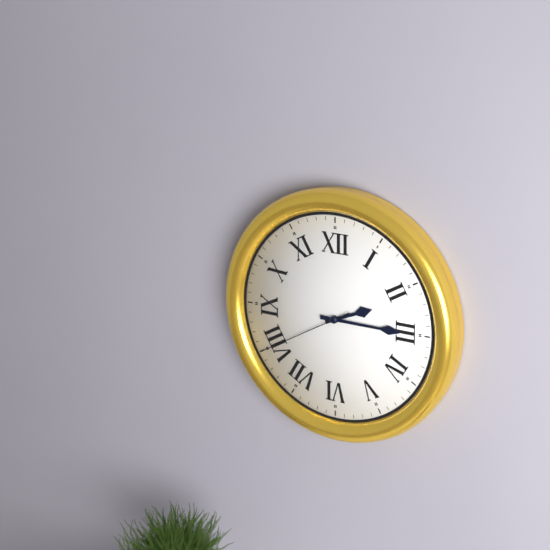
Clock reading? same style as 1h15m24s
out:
2h15m40s
